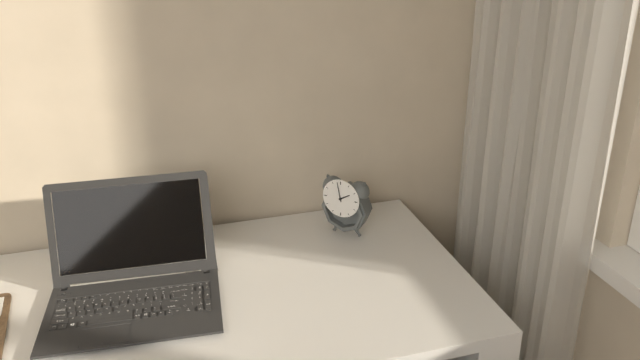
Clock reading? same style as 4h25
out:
1h58
